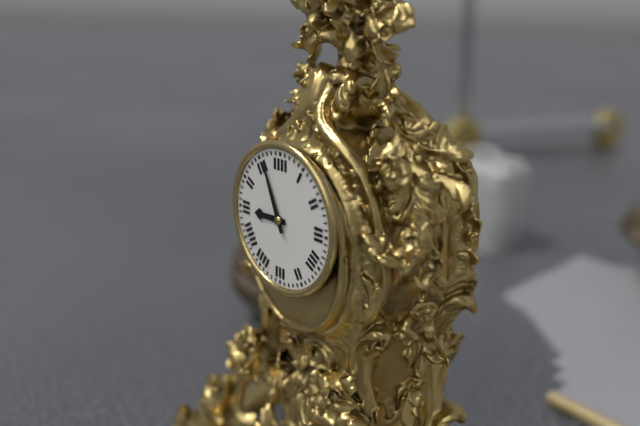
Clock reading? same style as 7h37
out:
8h56
